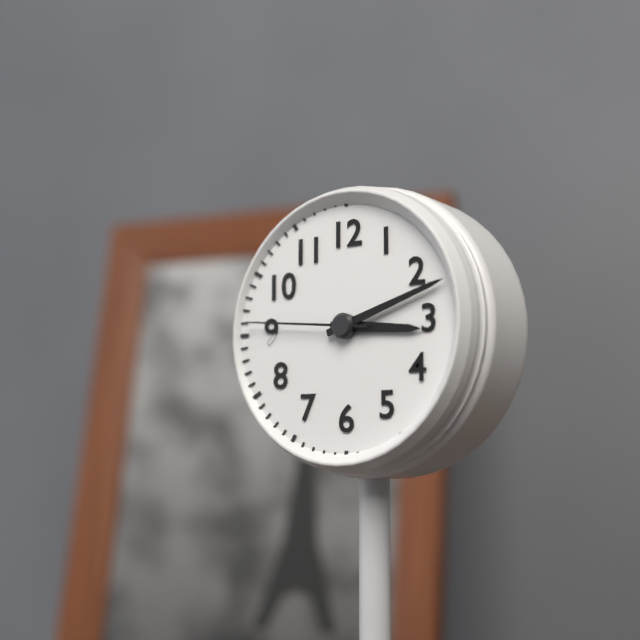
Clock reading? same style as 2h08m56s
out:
3h12m46s
